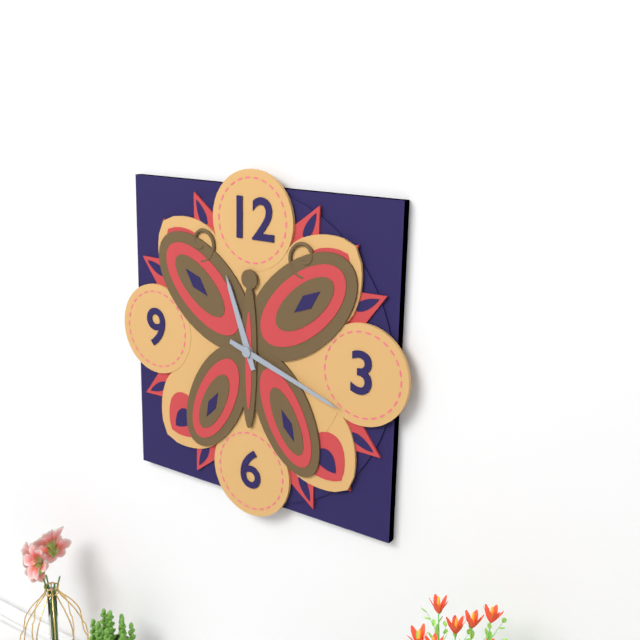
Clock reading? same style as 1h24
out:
11h18
